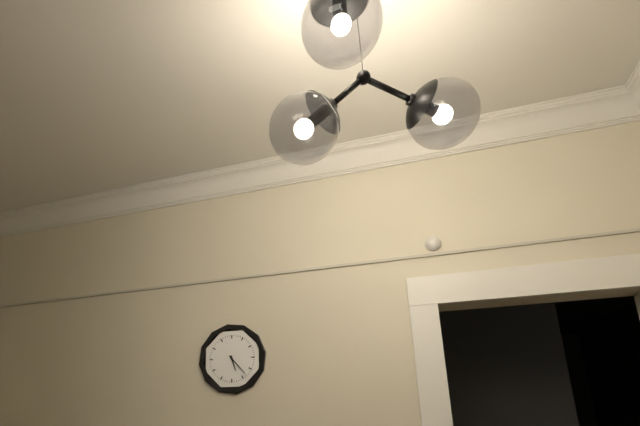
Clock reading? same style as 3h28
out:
5h23
